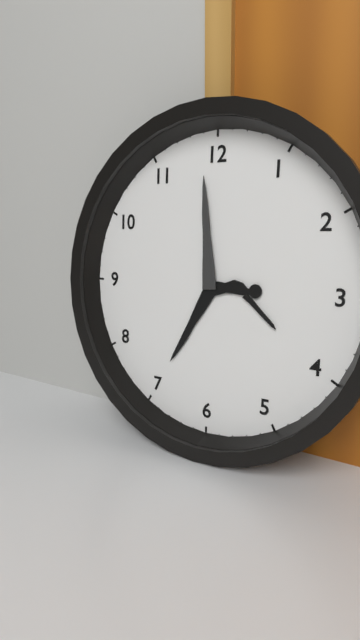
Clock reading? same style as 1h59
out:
6h59
